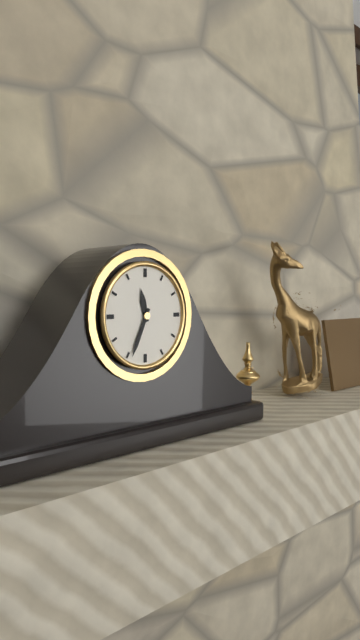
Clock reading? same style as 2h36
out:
11h34
